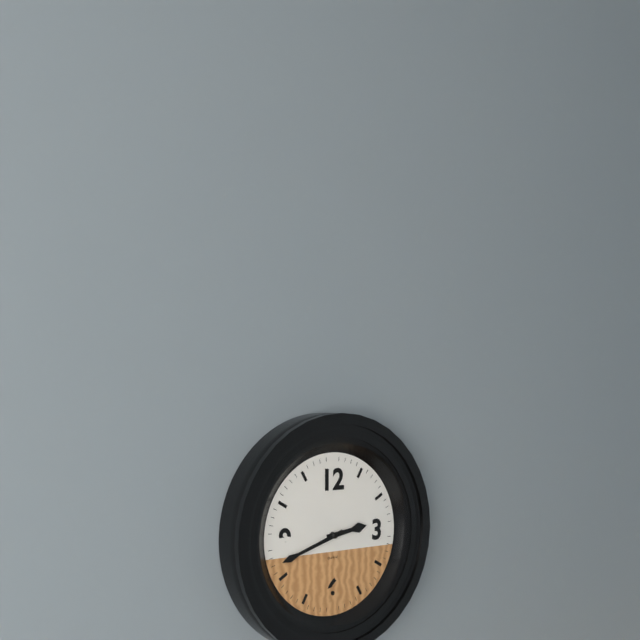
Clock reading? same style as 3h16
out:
2h42
